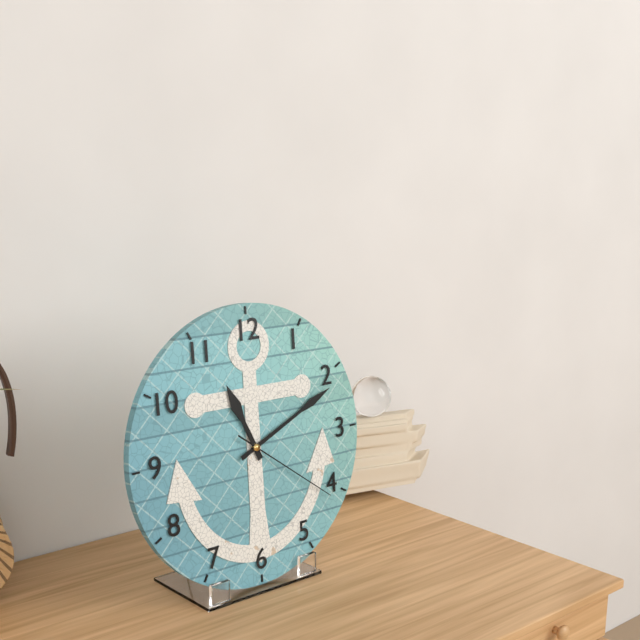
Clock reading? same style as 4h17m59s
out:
11h11m21s
